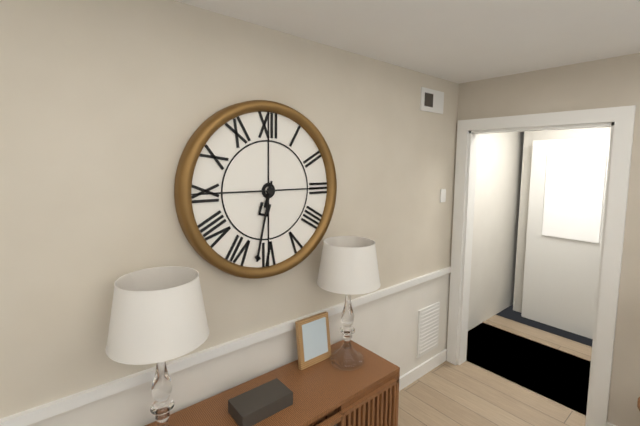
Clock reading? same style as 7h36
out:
6h32
